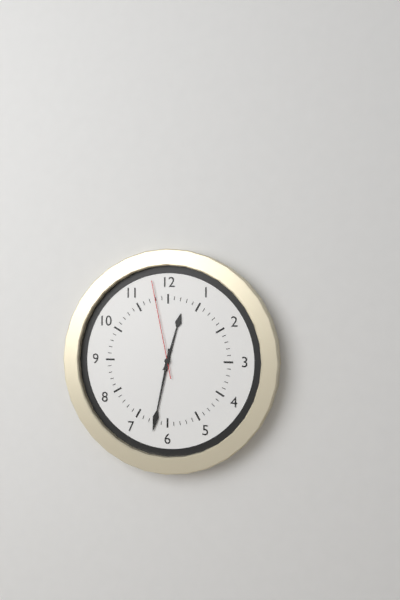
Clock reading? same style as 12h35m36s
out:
12h32m58s
